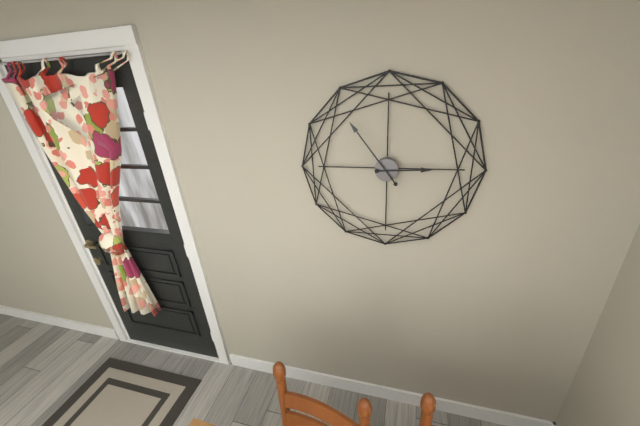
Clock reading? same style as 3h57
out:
2h54
